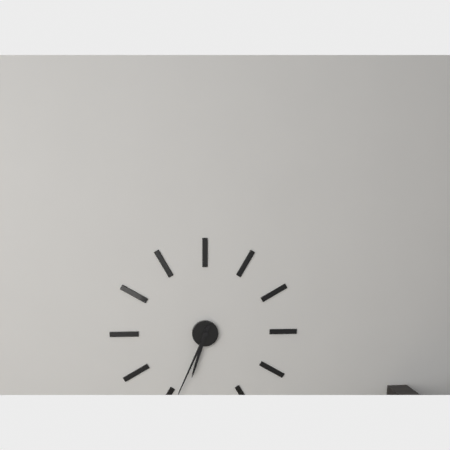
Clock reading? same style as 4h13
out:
6h34
